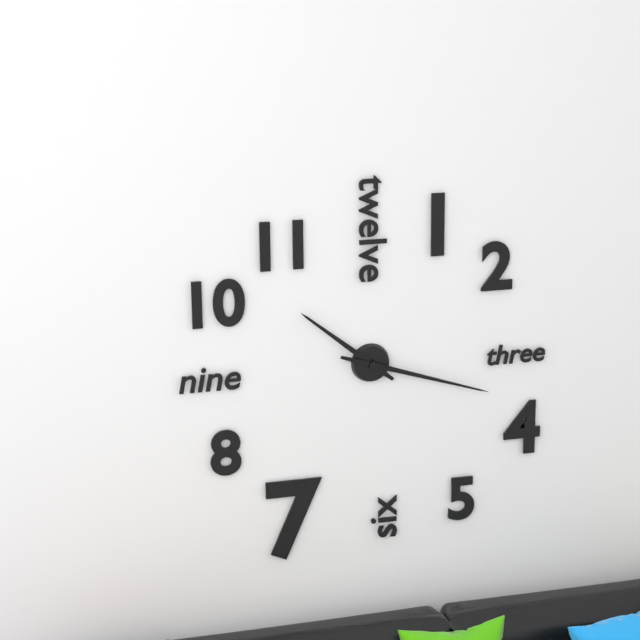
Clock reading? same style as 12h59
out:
10h18
